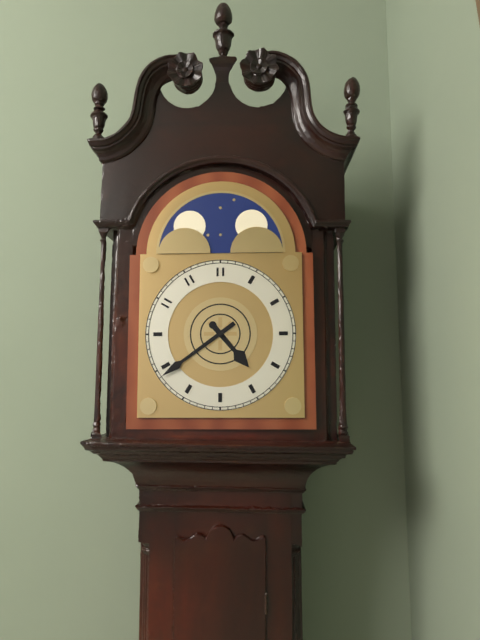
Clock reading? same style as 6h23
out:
4h39
